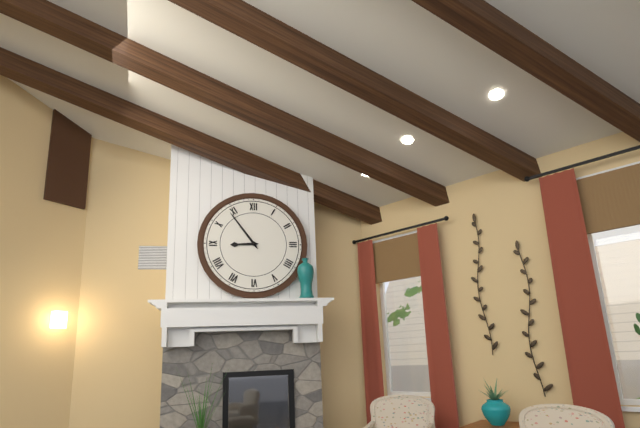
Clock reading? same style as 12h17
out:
8h54
